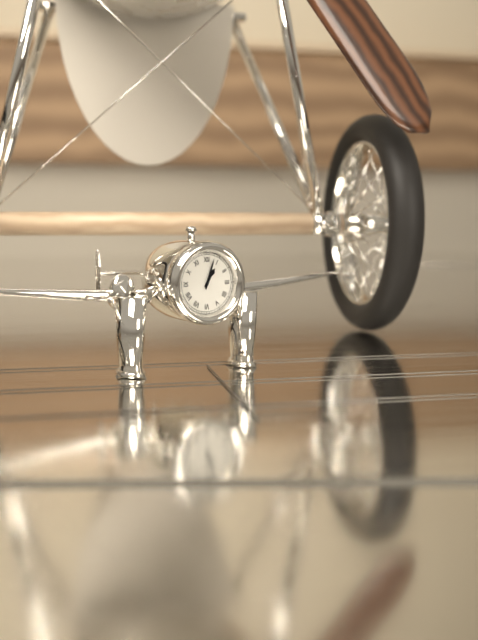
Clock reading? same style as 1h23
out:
1h03
